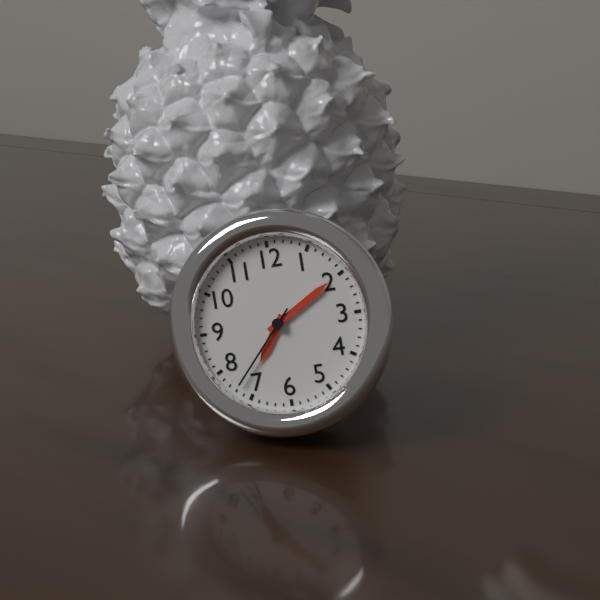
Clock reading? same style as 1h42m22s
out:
7h10m37s
